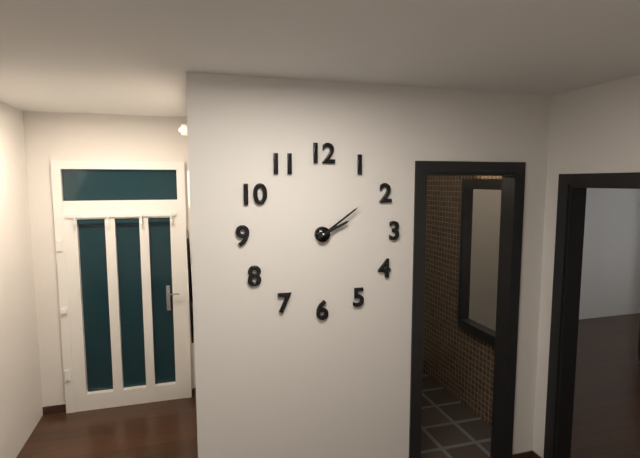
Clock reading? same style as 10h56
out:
2h09
